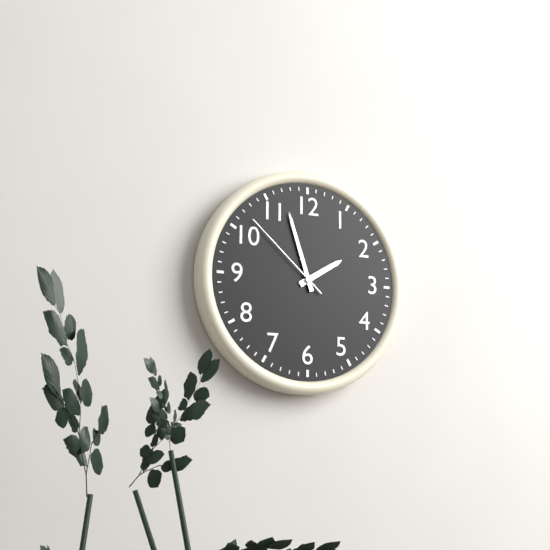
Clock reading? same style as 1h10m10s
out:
1h57m52s
